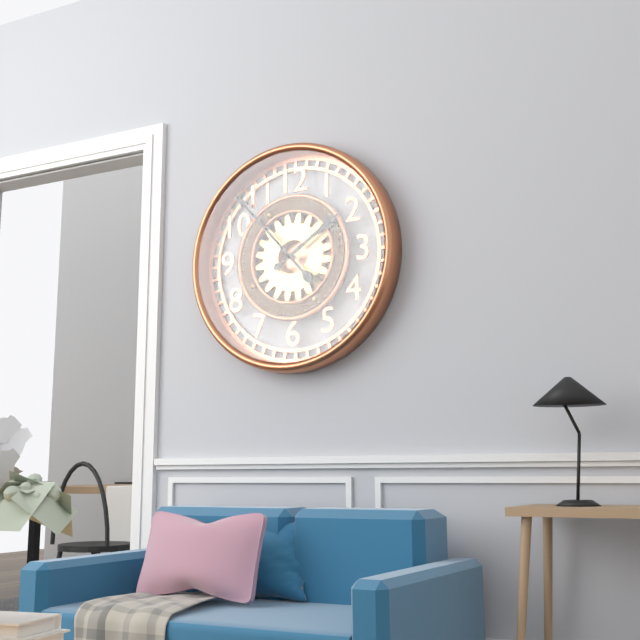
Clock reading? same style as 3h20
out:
1h53
